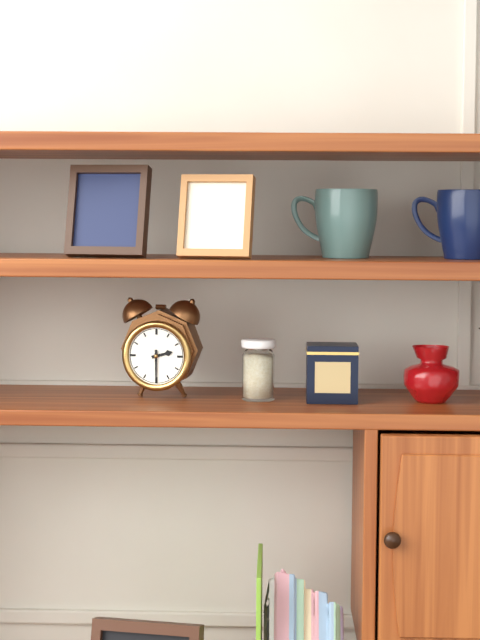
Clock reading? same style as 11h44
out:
2h30
